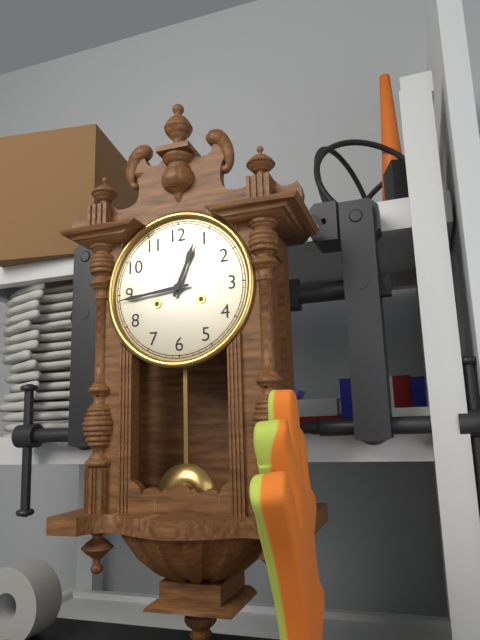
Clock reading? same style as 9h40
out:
12h44
